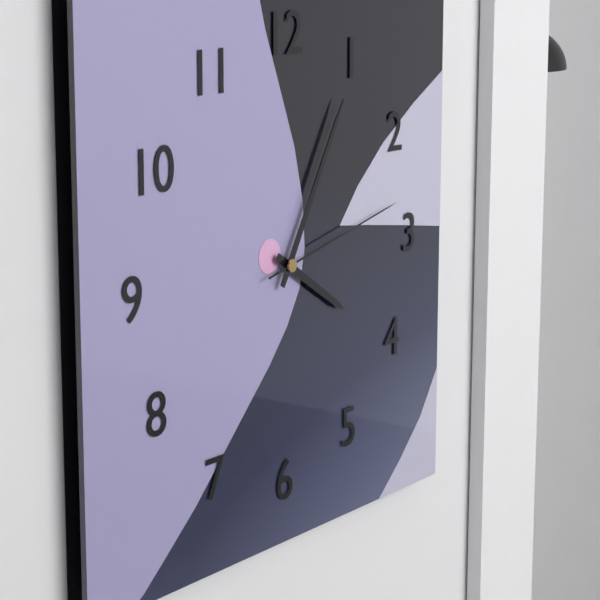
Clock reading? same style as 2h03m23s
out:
4h05m13s
